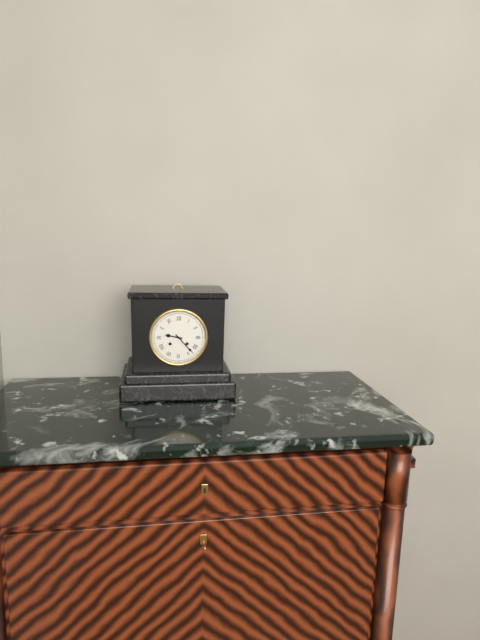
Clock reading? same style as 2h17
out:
9h23
